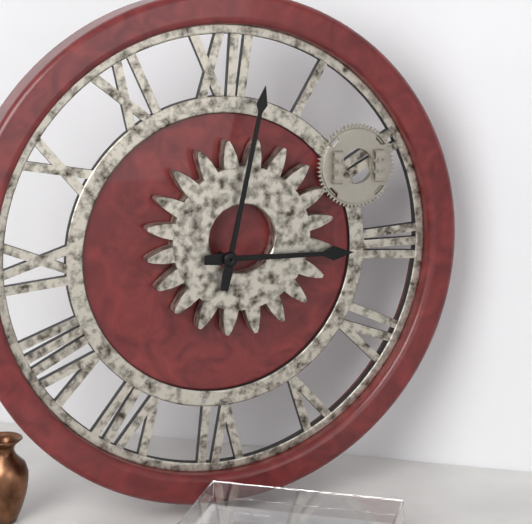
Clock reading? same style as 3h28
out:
3h02
